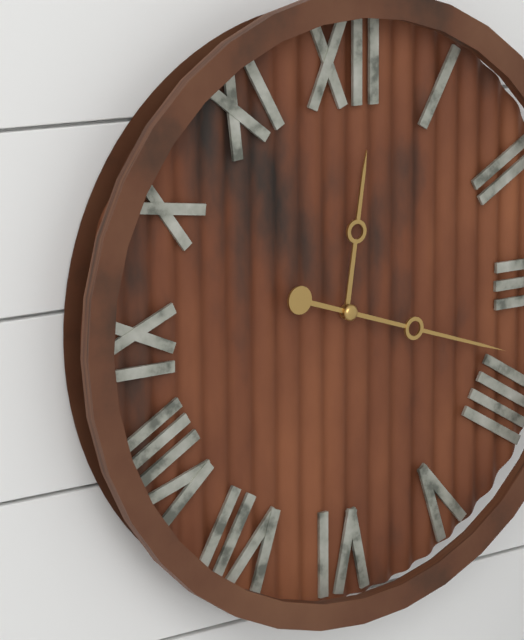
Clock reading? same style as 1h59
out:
12h18
